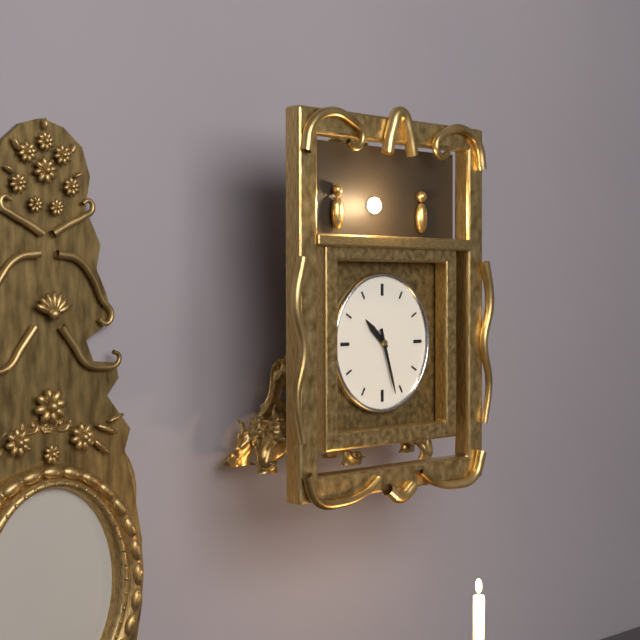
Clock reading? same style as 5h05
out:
10h27
